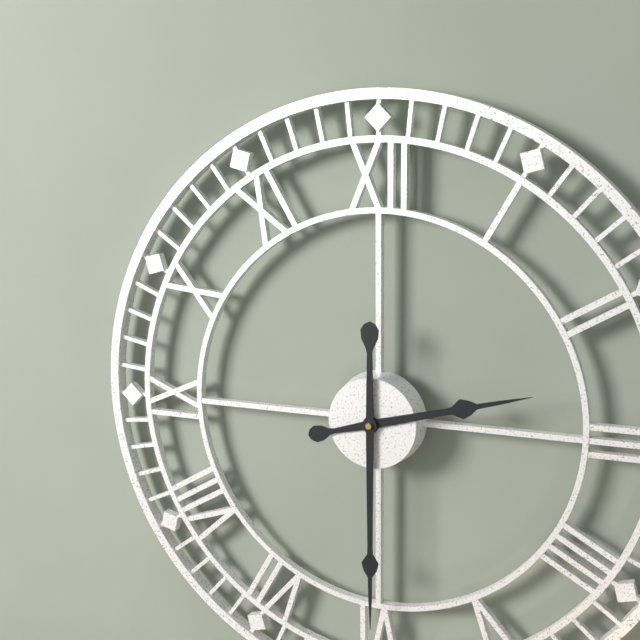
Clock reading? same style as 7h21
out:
2h30
